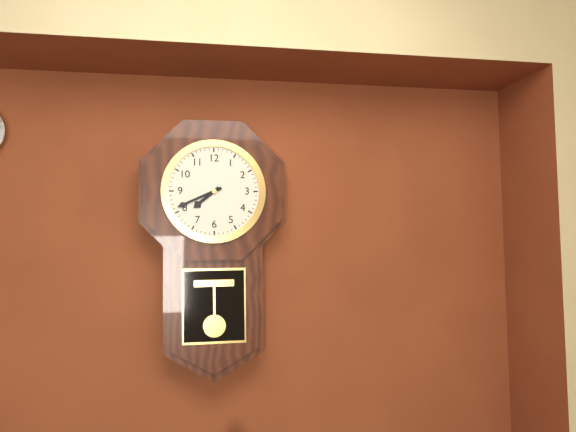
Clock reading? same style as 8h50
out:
7h41
